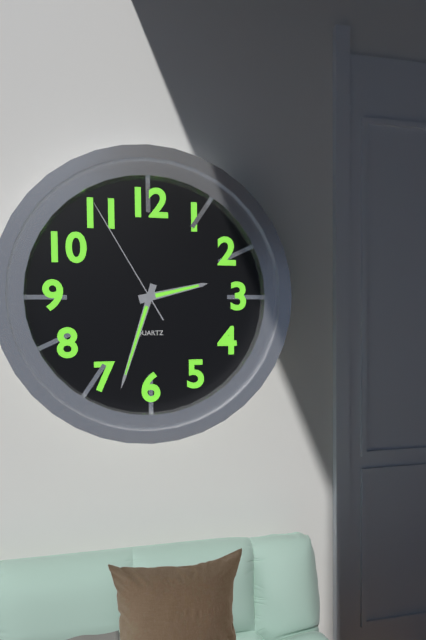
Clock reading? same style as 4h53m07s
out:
2h33m55s
